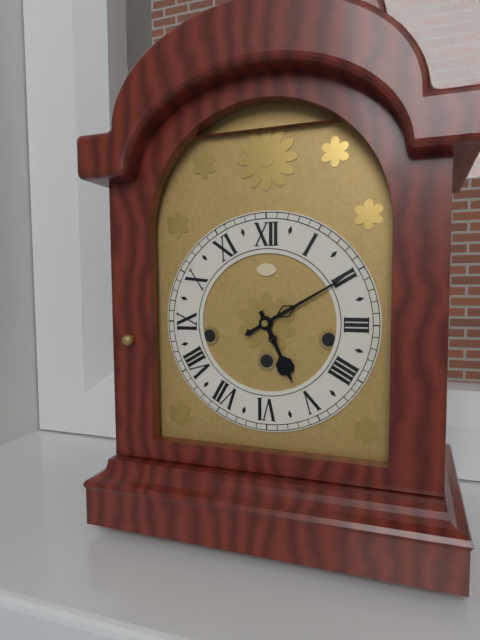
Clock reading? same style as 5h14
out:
5h10
